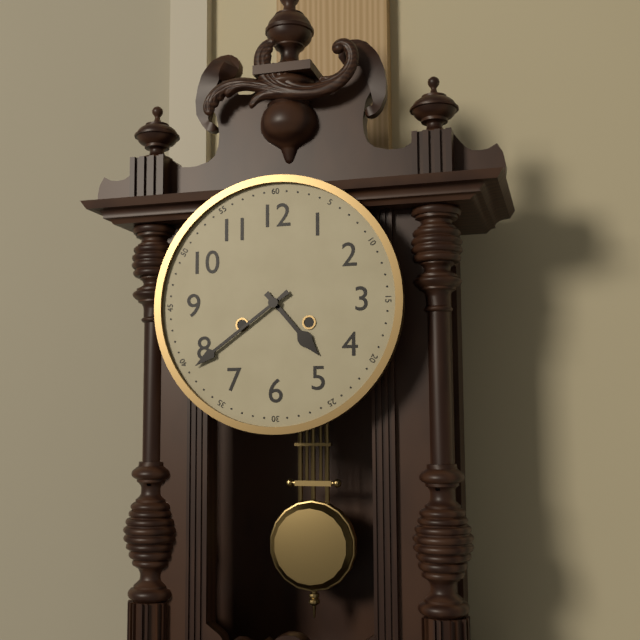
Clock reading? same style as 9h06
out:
4h39
